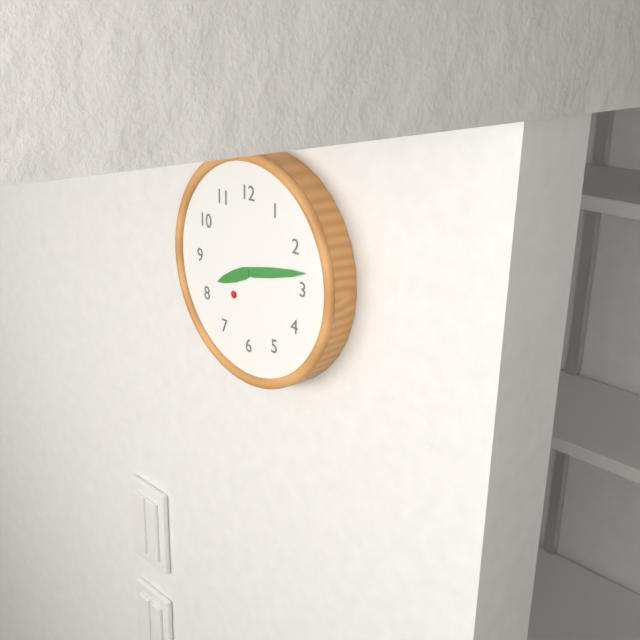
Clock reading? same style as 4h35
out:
8h13
